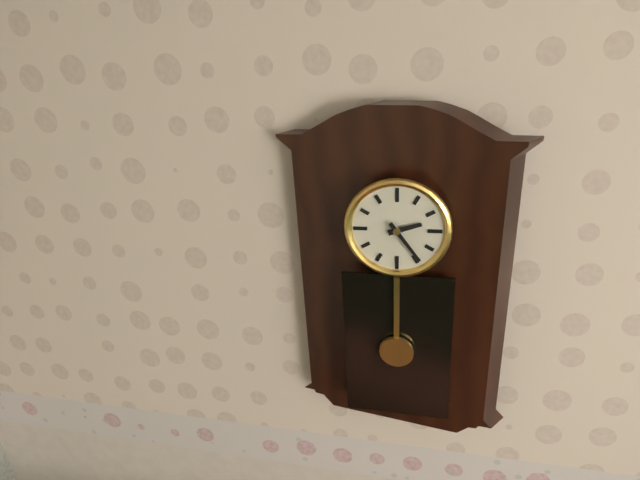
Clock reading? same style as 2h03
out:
2h24
